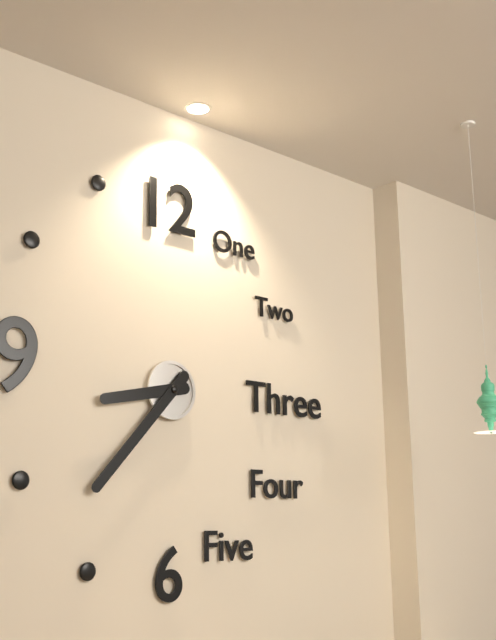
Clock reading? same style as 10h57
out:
8h37
